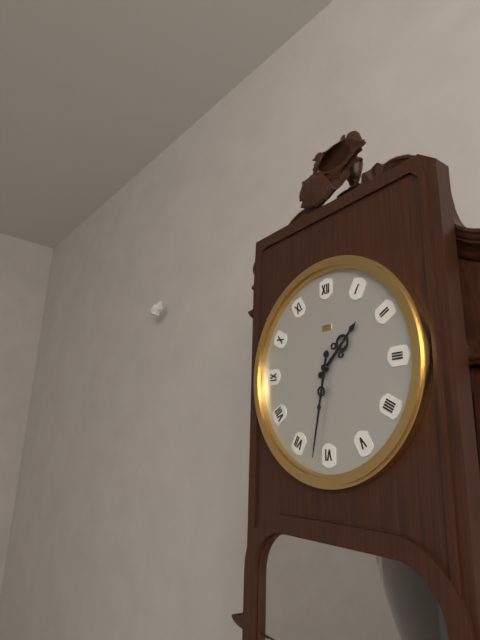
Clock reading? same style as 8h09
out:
1h32
